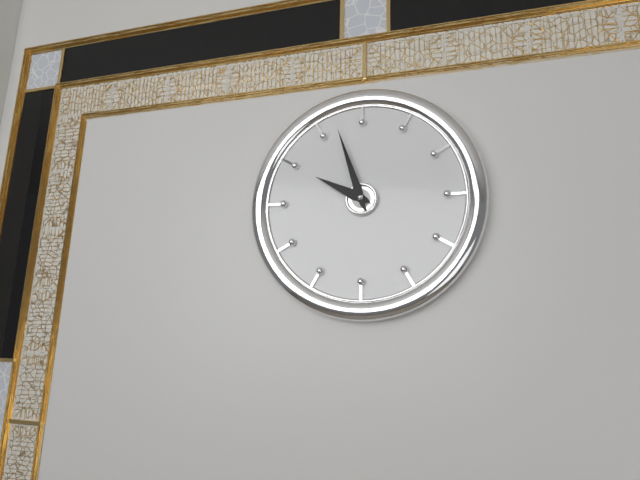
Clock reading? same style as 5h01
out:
9h57
